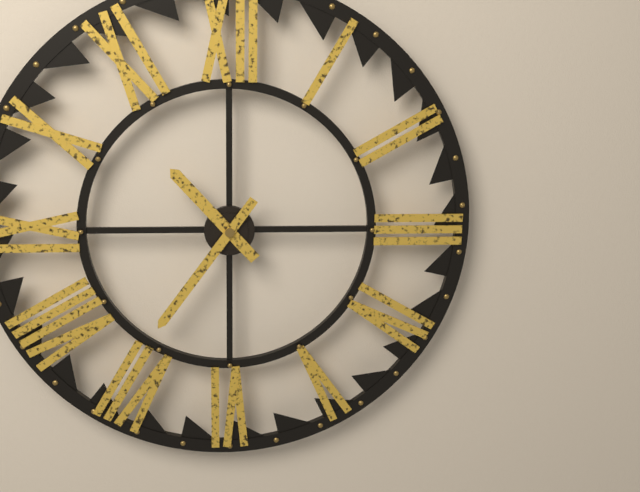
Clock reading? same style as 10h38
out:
10h36
